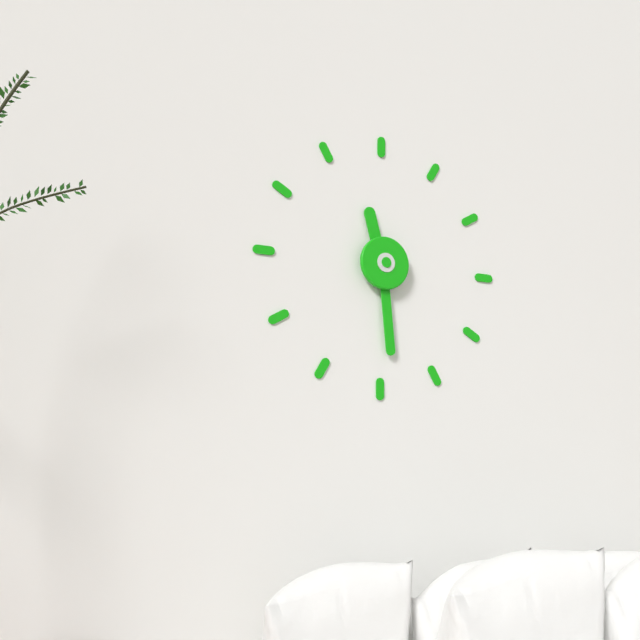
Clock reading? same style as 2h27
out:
11h29
